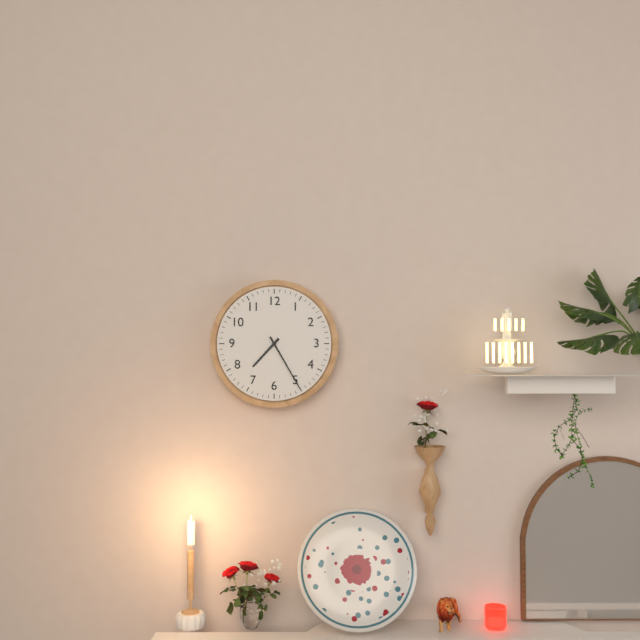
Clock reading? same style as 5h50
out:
7h25
